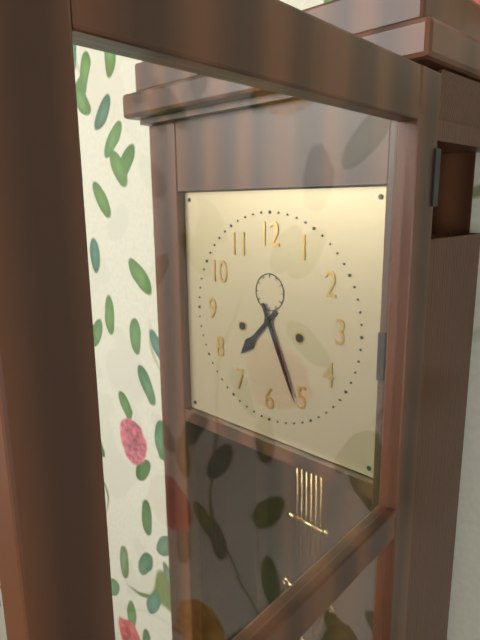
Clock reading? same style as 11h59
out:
7h26
